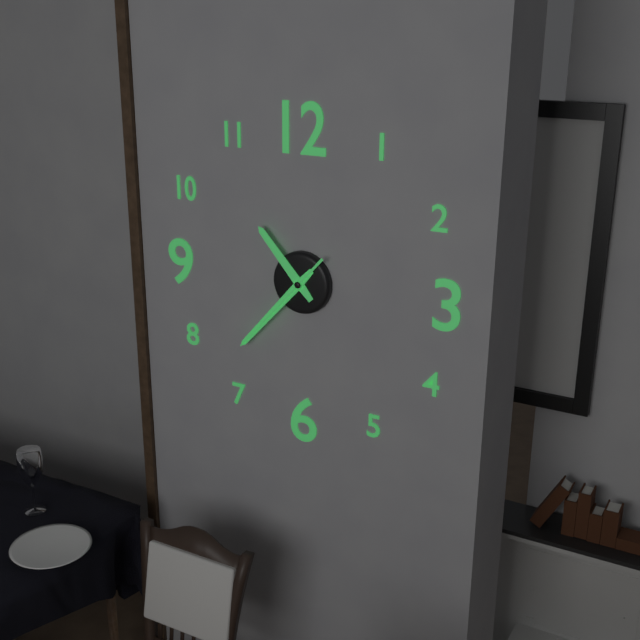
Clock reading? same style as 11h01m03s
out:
10h37m37s
